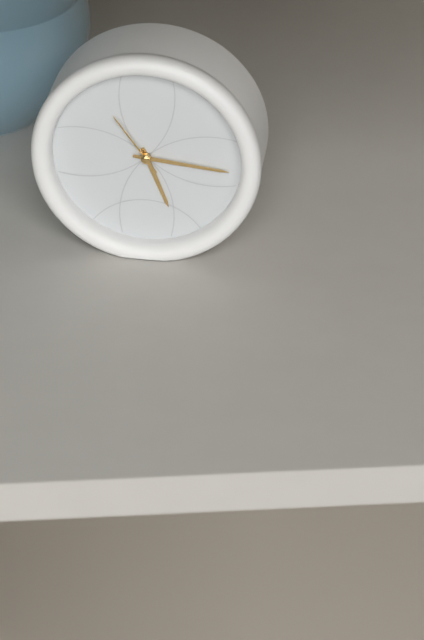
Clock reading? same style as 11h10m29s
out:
5h16m54s
